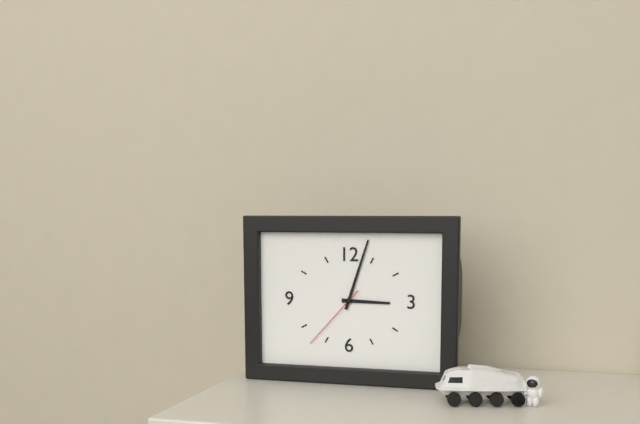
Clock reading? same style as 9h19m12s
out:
3h03m37s
